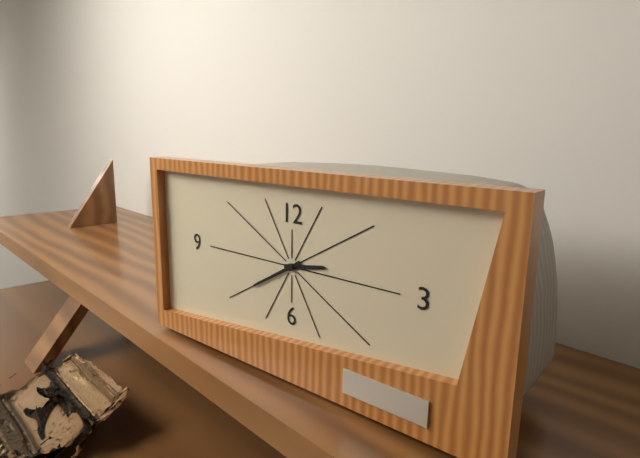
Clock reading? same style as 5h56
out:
2h40
